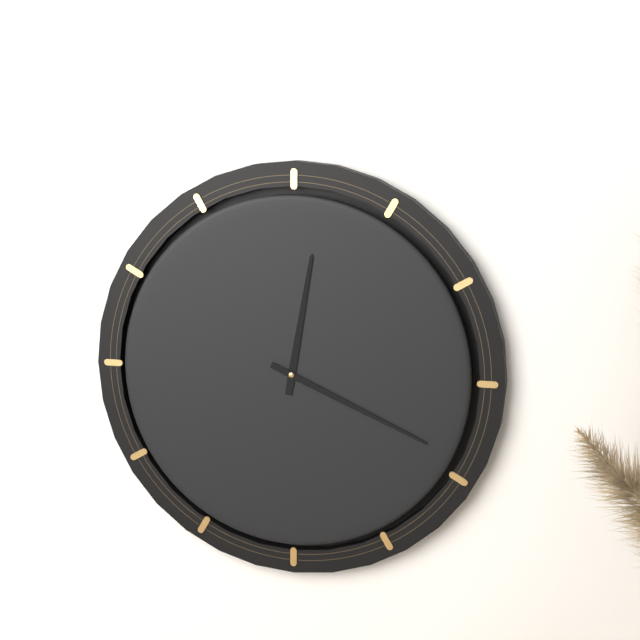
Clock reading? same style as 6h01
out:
12h19
